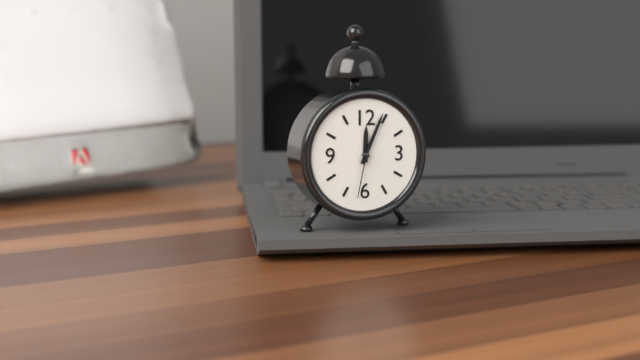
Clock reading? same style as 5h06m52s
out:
12h04m32s
